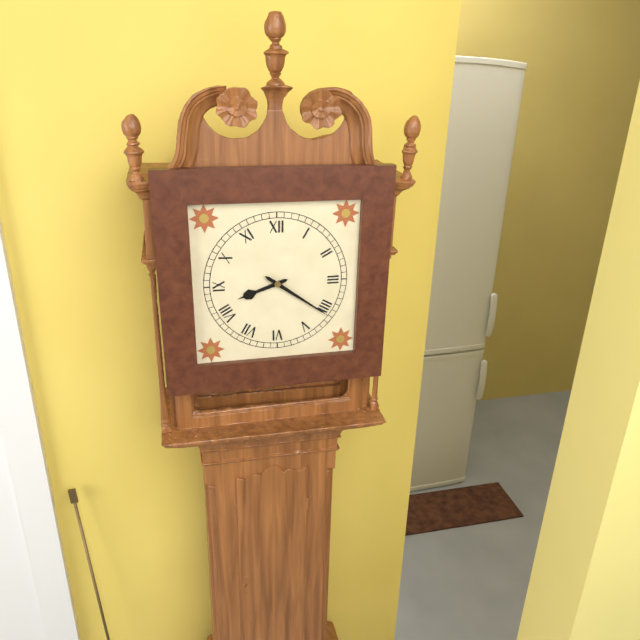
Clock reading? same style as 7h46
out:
8h21
